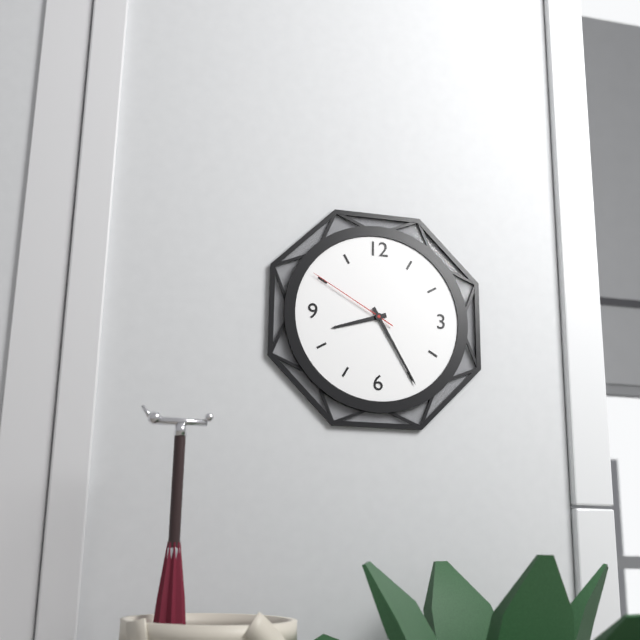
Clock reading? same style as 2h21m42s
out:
8h25m50s
